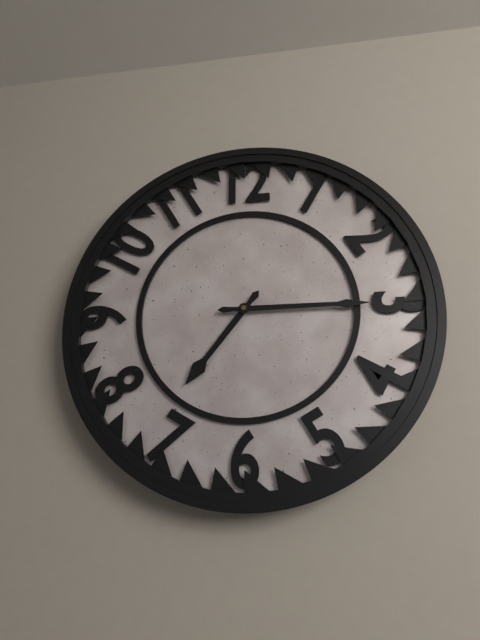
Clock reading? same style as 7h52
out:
7h15
